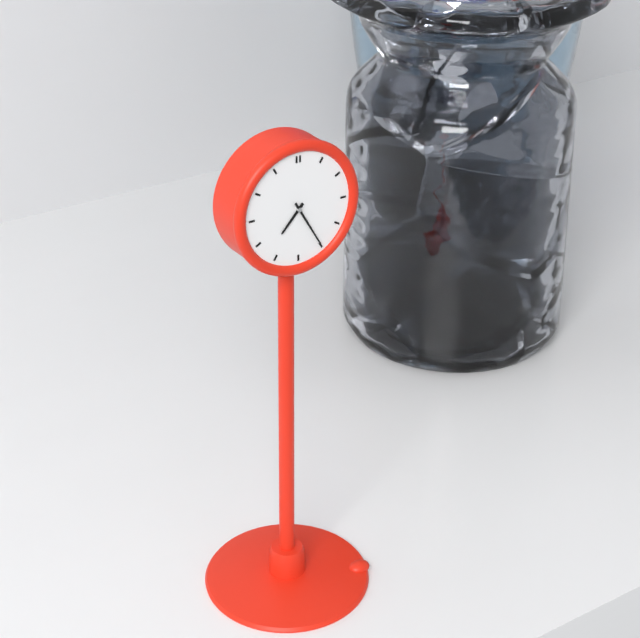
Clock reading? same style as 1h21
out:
7h25
